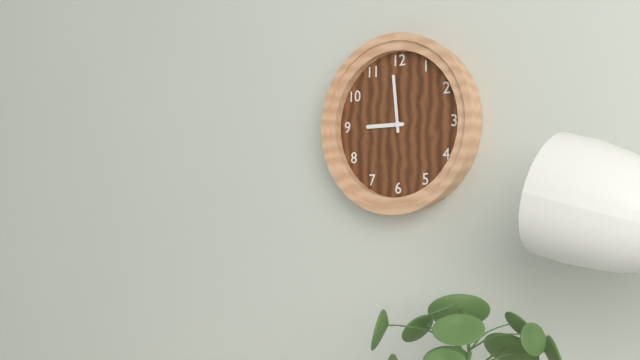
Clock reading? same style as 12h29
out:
8h59
